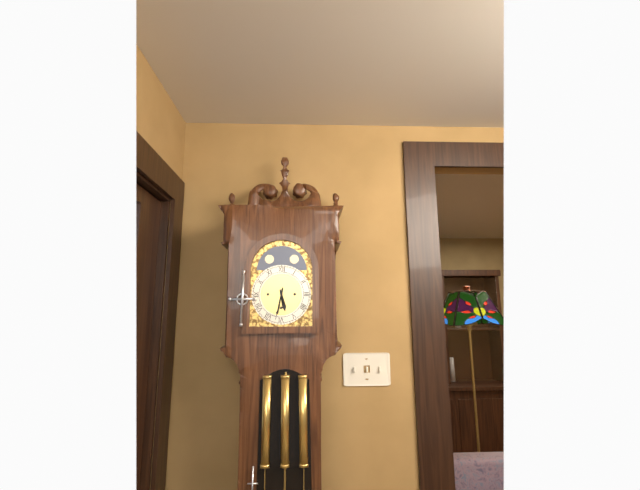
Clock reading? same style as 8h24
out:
5h32
